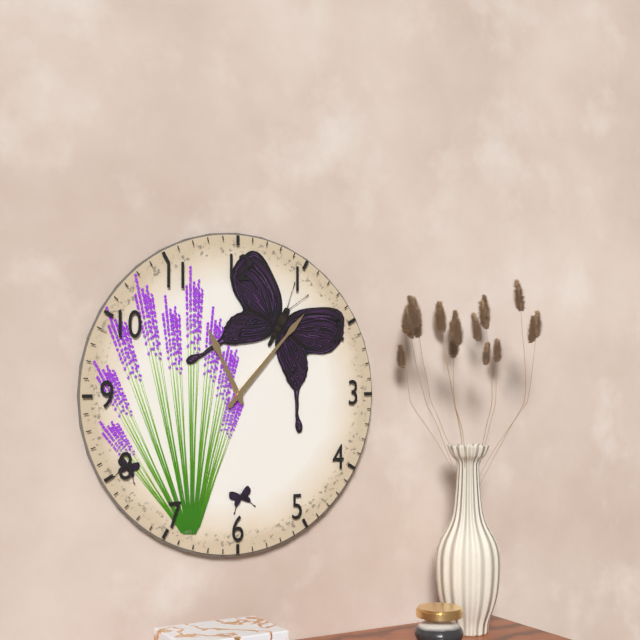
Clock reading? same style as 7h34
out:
11h07
